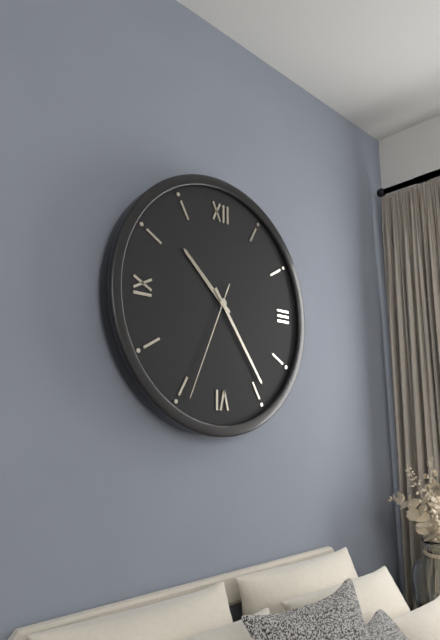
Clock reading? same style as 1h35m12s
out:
10h24m34s
